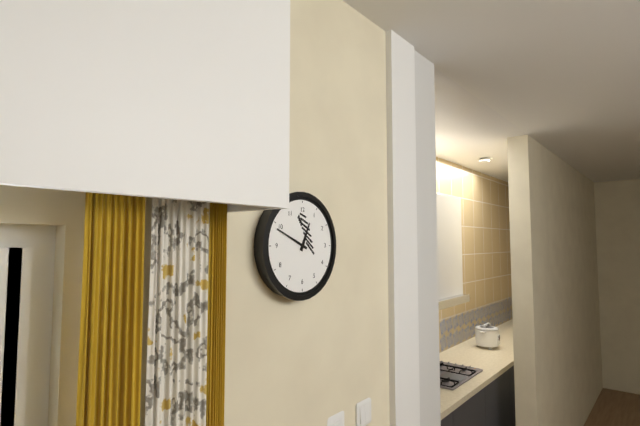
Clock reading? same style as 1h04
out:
12h49
